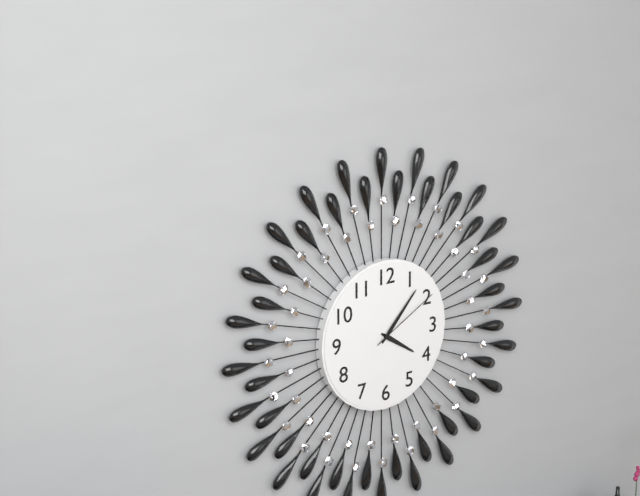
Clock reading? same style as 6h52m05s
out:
4h07m10s
